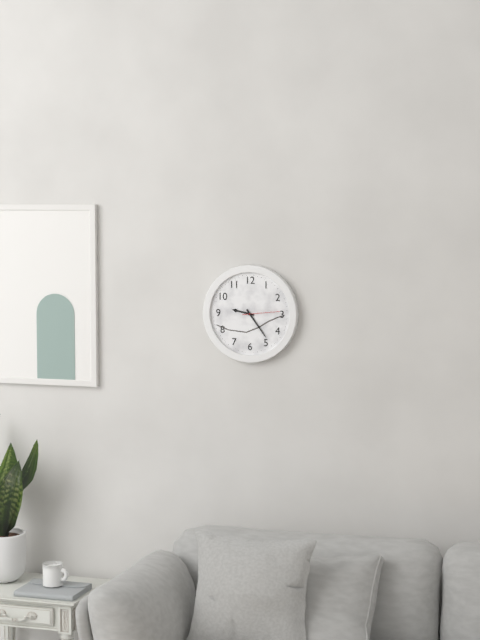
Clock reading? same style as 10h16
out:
9h24
